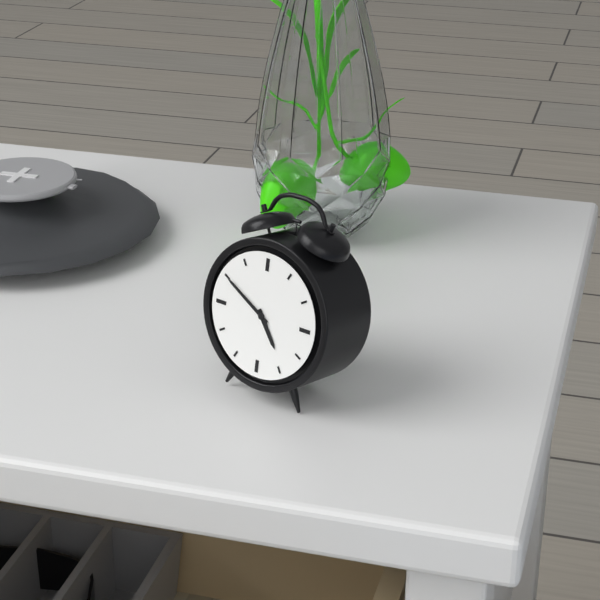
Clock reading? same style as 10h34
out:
4h50
